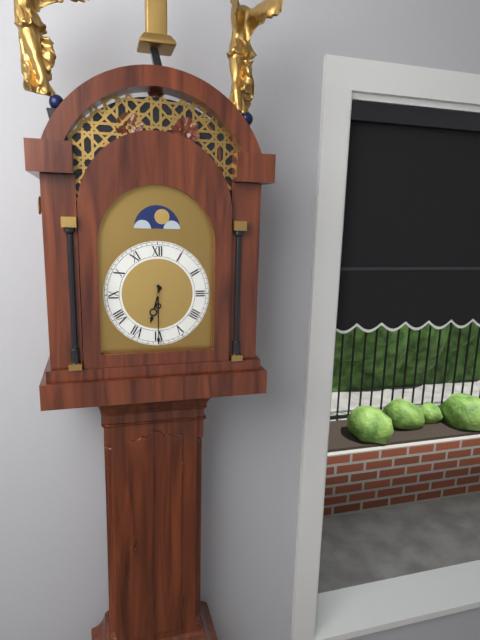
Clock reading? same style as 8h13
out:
6h30
